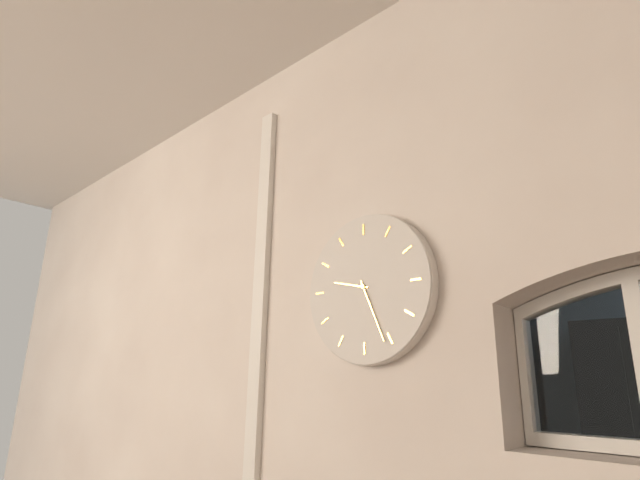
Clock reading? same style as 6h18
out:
9h26
